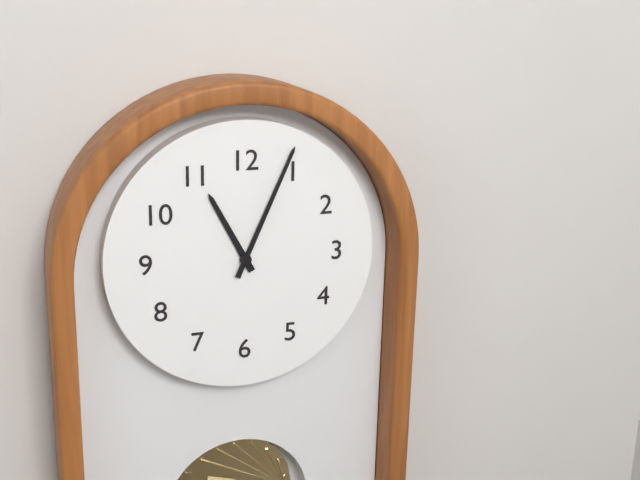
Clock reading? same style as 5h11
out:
11h04
